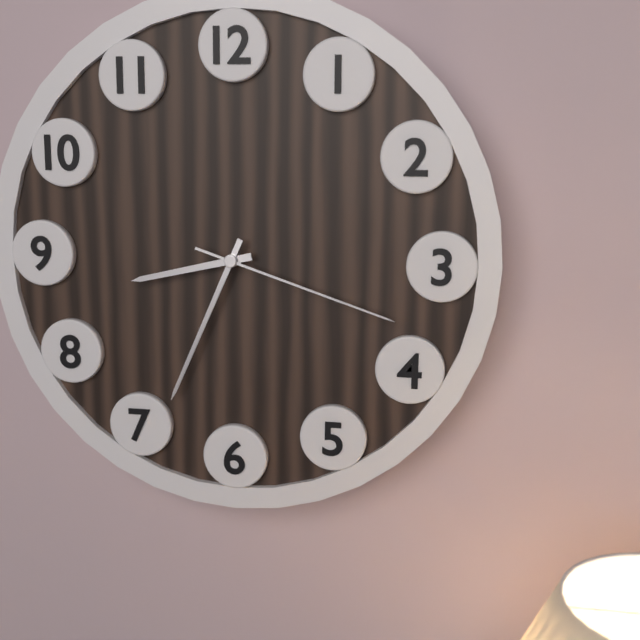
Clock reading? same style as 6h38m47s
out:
8h34m18s
